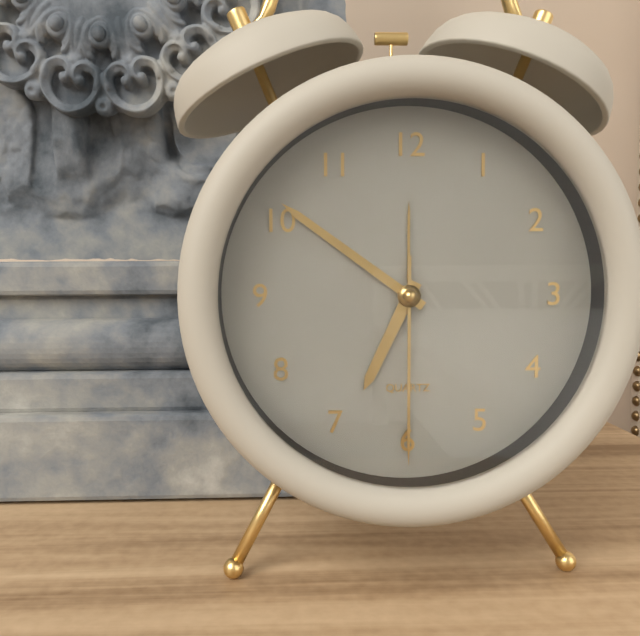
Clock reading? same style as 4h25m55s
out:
6h51m30s
